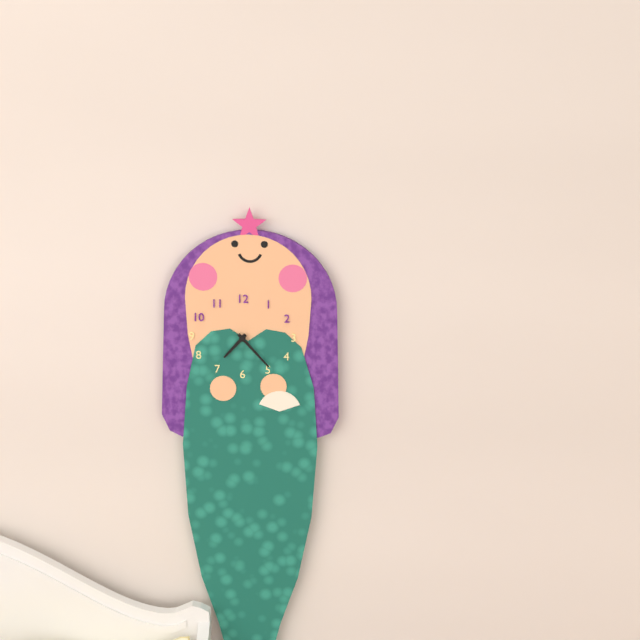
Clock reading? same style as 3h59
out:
7h23
